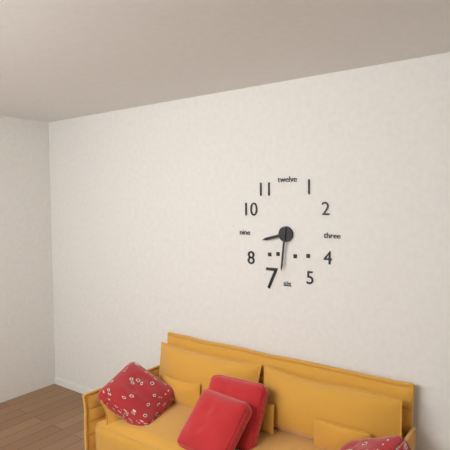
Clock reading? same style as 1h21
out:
8h31
